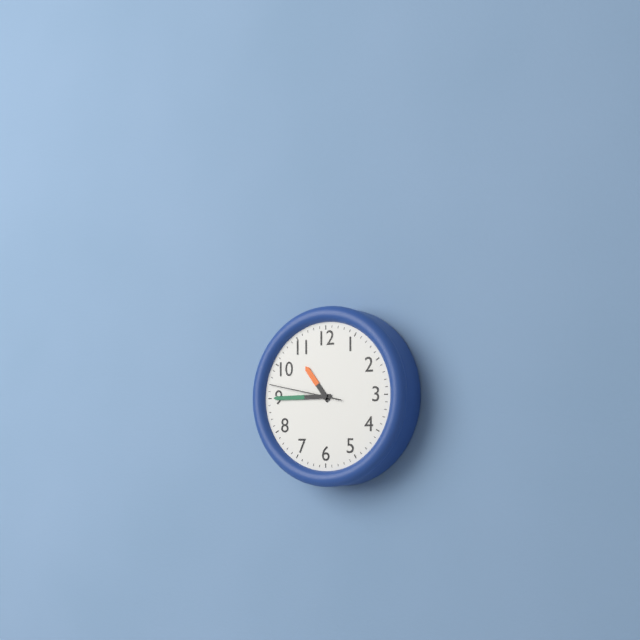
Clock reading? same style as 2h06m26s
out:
10h45m47s
